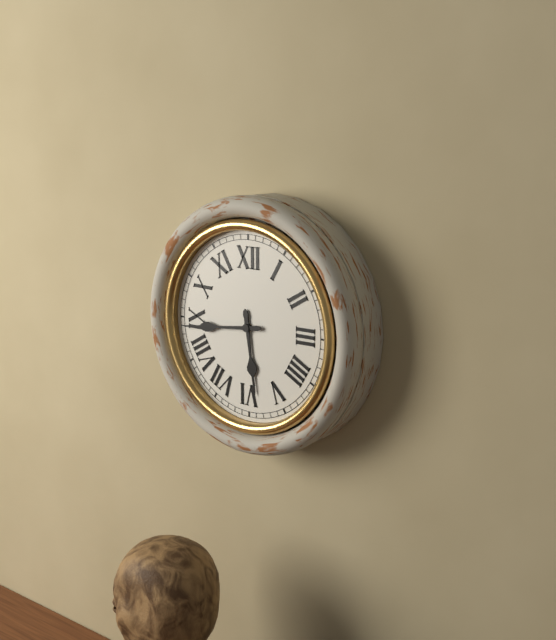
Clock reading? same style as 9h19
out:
5h44
